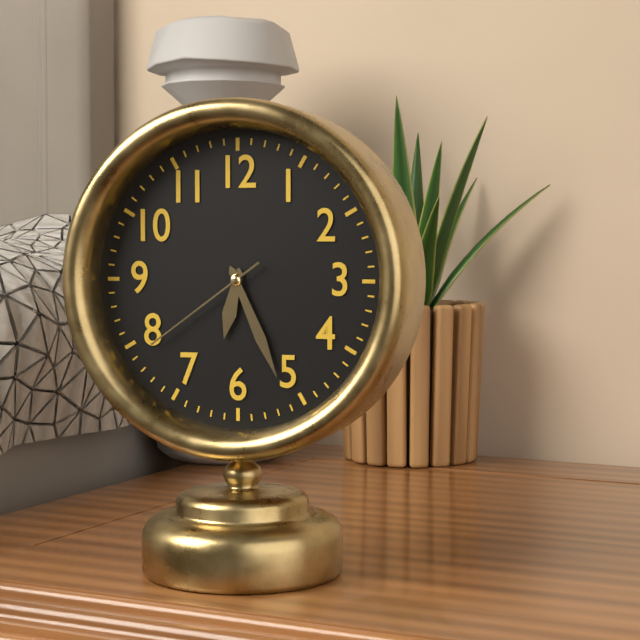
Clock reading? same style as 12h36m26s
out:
6h26m39s
